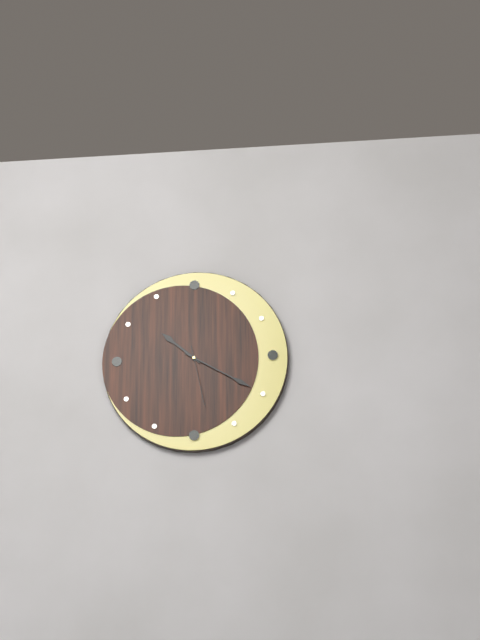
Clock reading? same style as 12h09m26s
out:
10h20m28s
